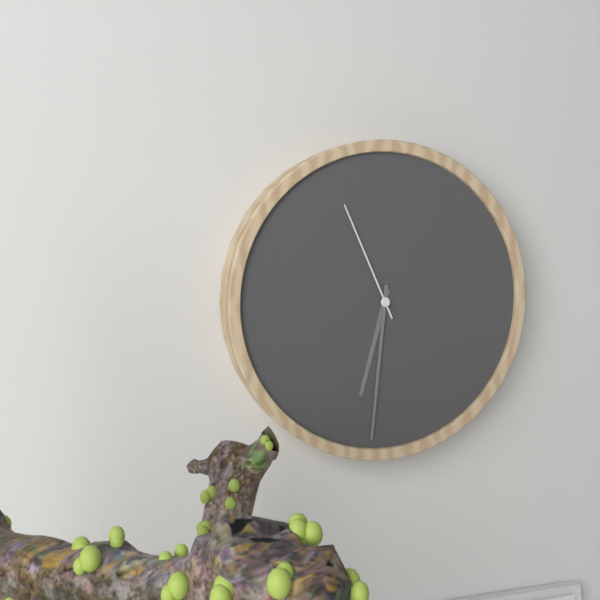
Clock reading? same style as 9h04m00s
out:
6h31m56s
